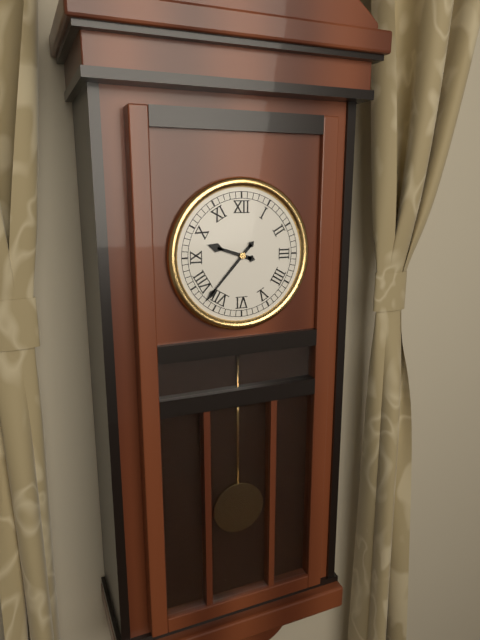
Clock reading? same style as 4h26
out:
9h37
